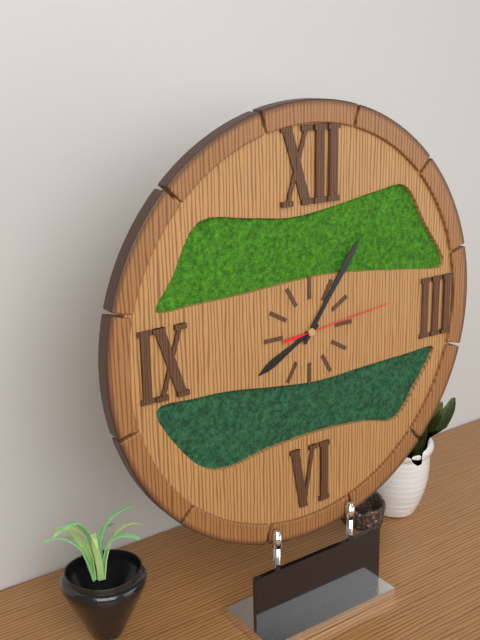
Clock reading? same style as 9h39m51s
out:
8h06m14s
